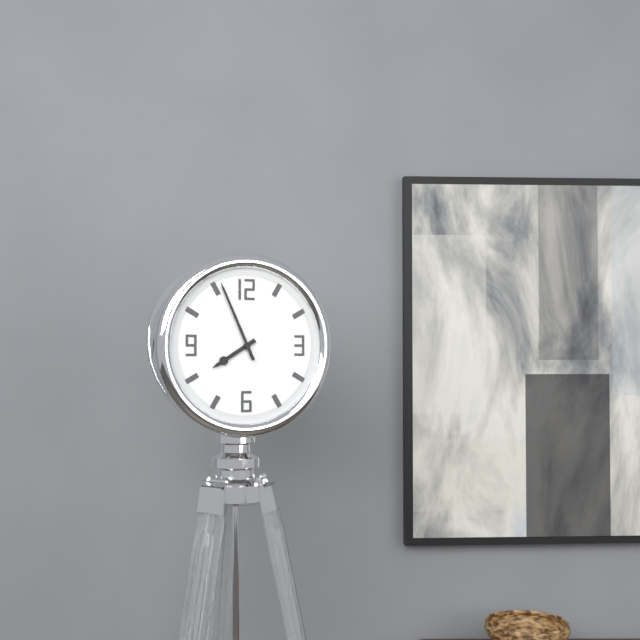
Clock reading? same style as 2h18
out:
7h56
